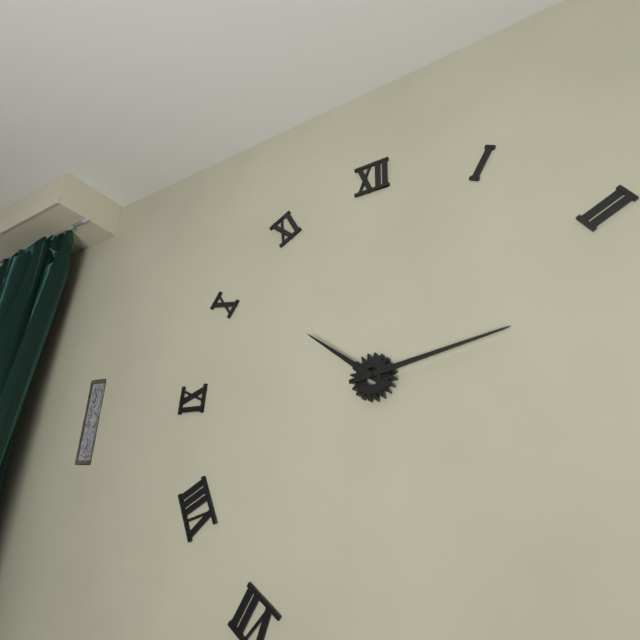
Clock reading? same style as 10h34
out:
10h13
